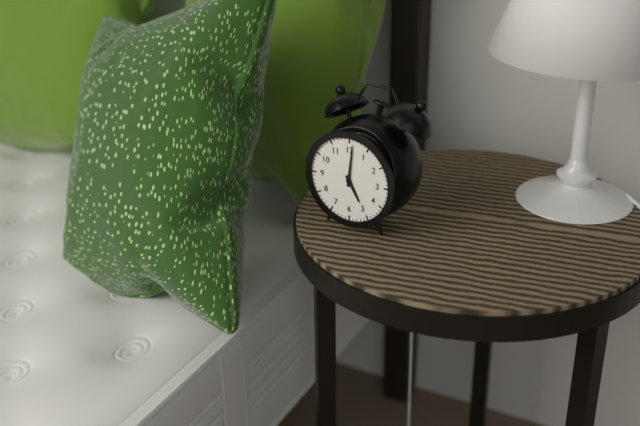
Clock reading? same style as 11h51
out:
5h01
